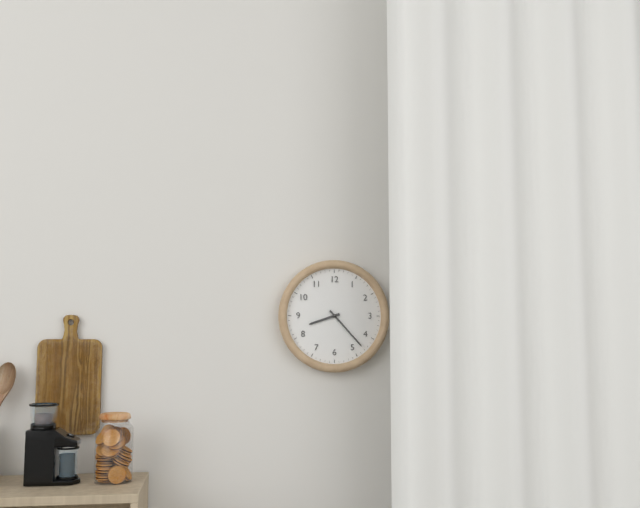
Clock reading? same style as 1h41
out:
8h23
